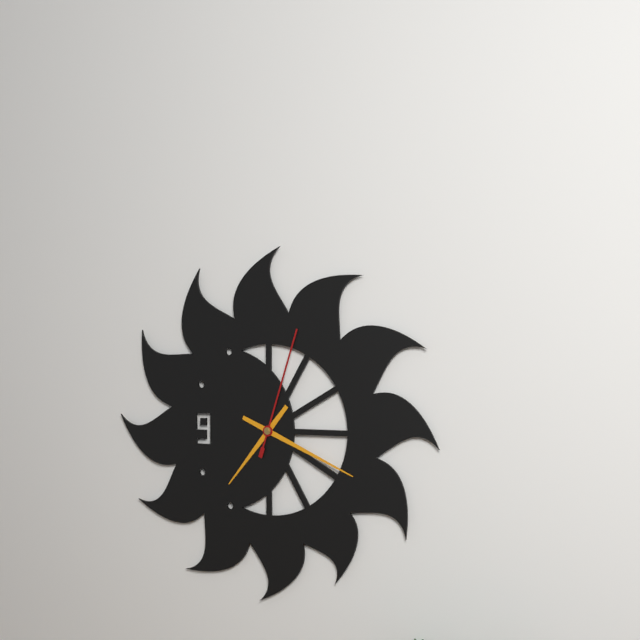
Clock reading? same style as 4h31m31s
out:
7h19m03s
